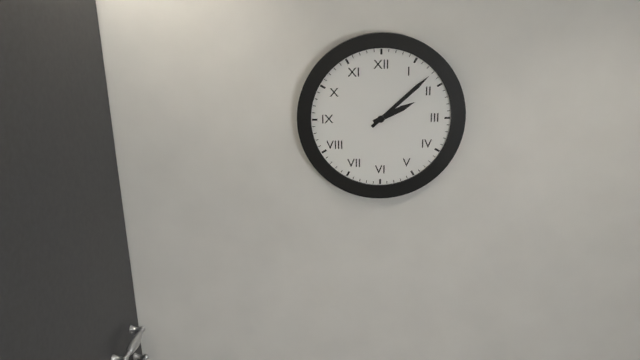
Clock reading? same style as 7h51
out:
2h08
